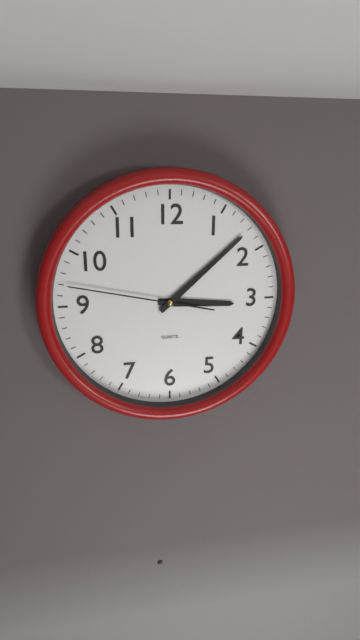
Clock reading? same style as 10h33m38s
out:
3h08m47s
